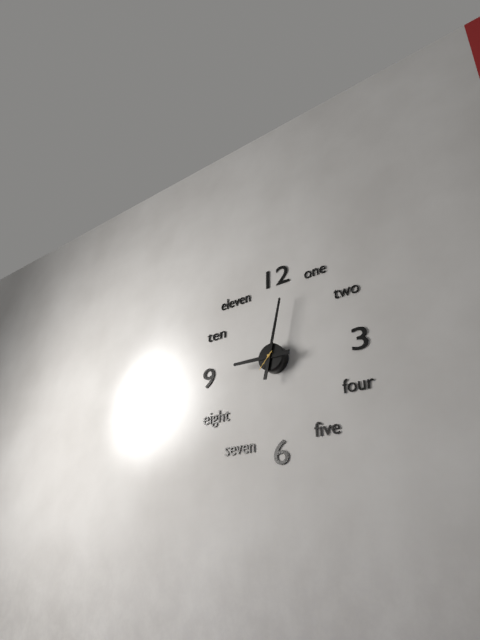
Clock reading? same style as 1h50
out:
9h02
